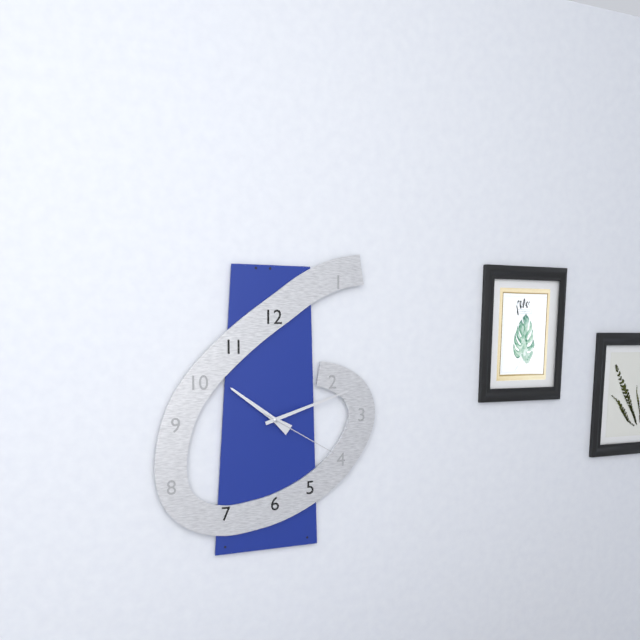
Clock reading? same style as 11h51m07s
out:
10h12m20s
